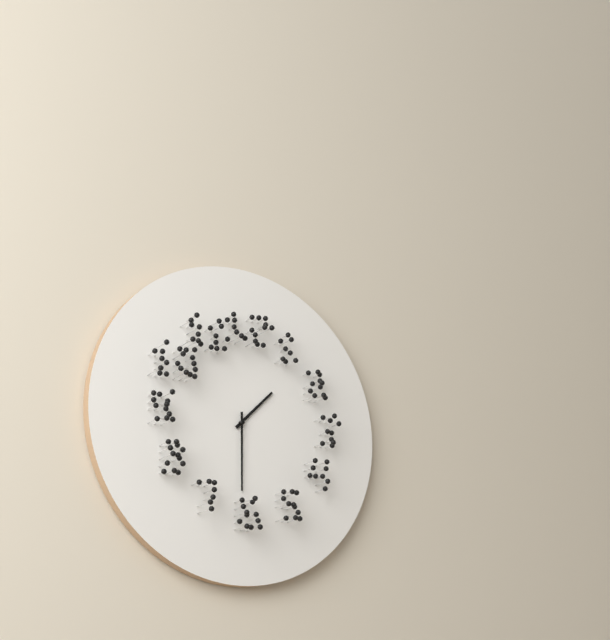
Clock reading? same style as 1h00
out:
1h30
